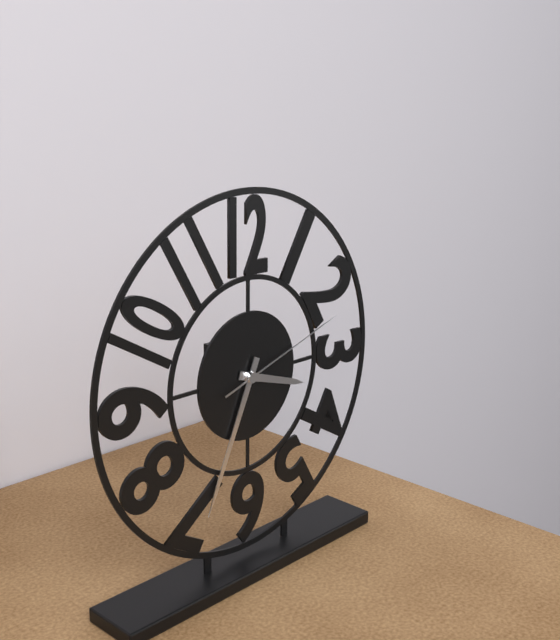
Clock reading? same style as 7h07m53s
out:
3h34m12s
